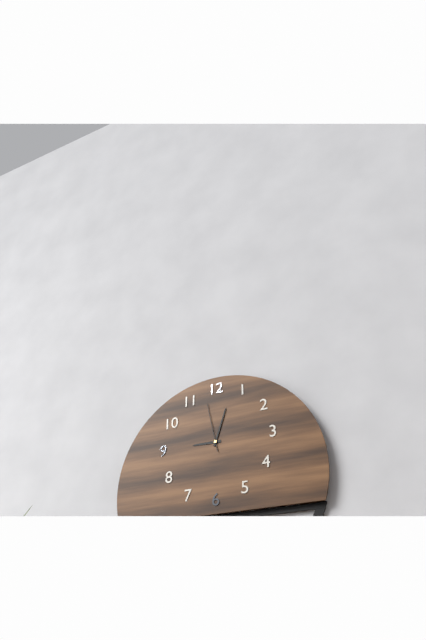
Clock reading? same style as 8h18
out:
9h03
